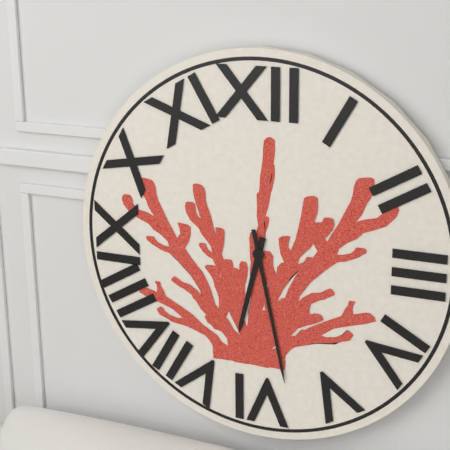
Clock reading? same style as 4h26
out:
6h28
